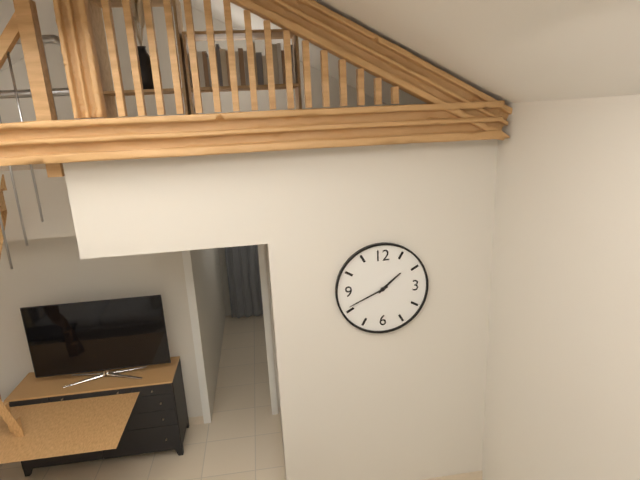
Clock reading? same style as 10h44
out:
1h41
